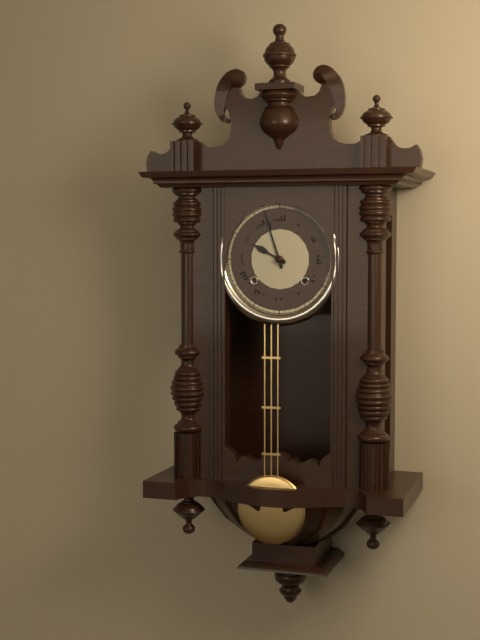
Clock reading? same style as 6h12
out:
9h57
